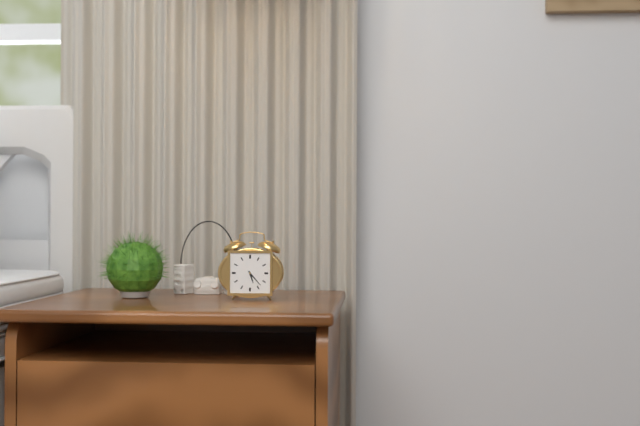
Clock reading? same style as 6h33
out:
5h23
